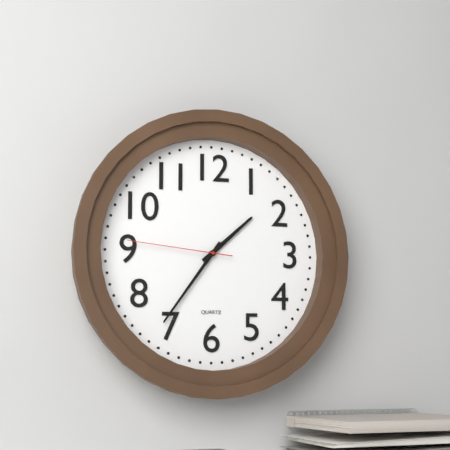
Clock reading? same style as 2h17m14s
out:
1h36m46s
